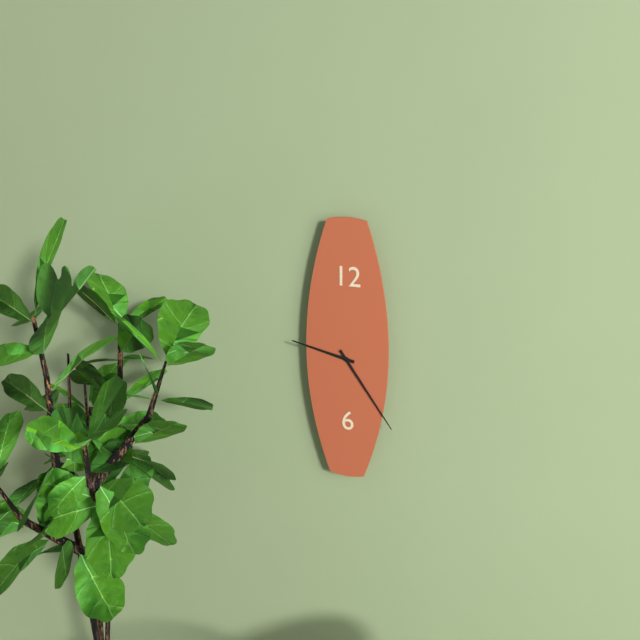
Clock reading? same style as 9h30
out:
9h24
